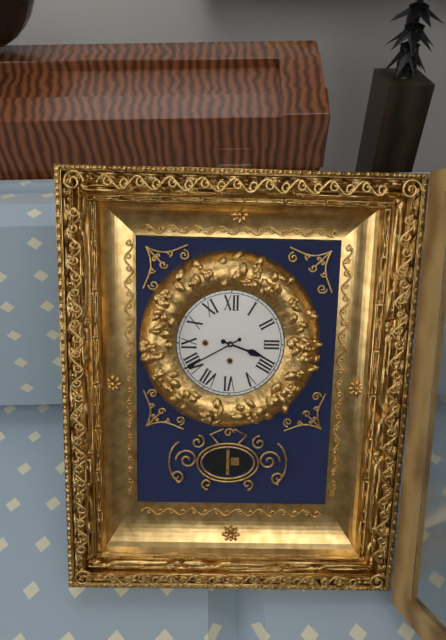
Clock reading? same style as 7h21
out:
3h40
